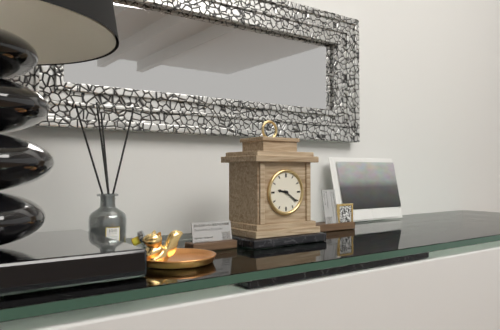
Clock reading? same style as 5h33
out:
9h21
